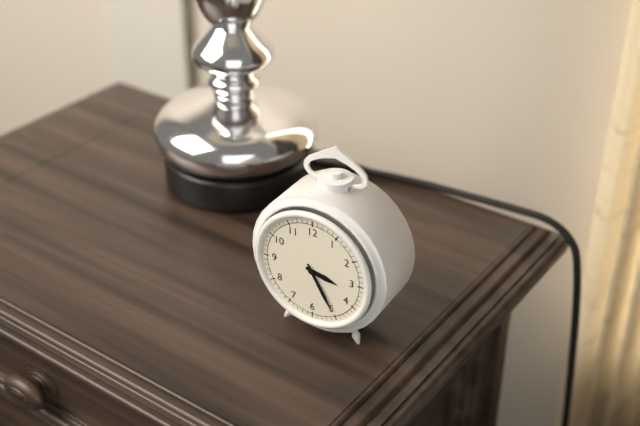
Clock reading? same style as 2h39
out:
3h25
